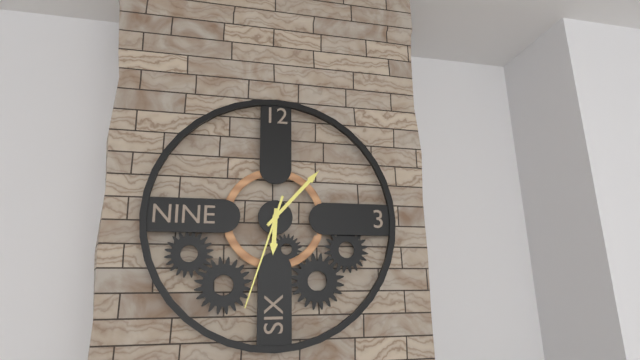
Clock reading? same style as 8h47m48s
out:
6h07m33s
